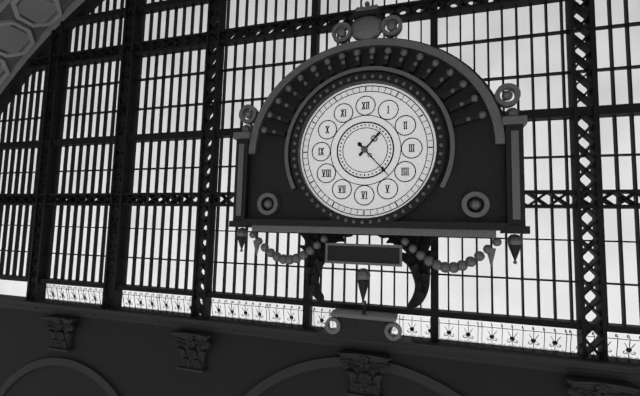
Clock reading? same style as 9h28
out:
1h23
